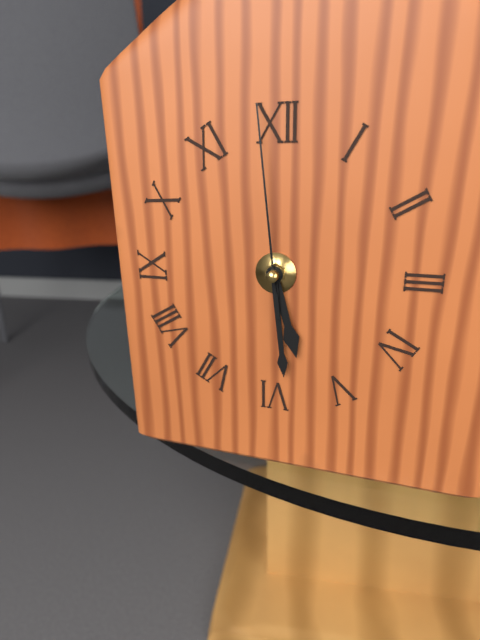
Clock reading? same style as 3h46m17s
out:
5h29m59s
